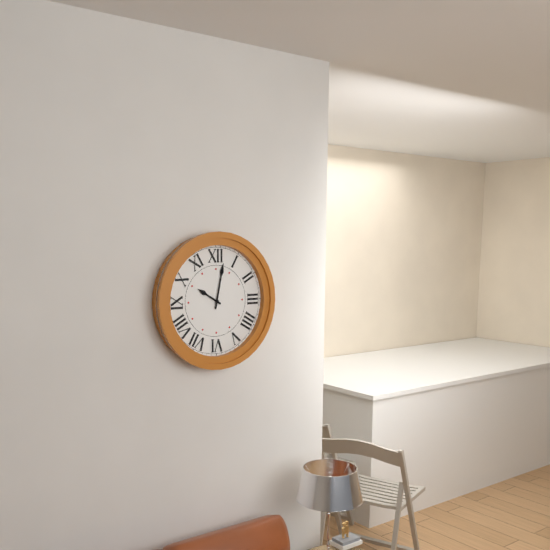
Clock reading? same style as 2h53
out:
10h02
